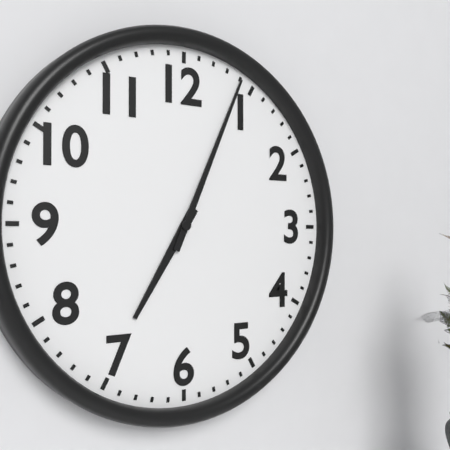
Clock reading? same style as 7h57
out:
7h04
